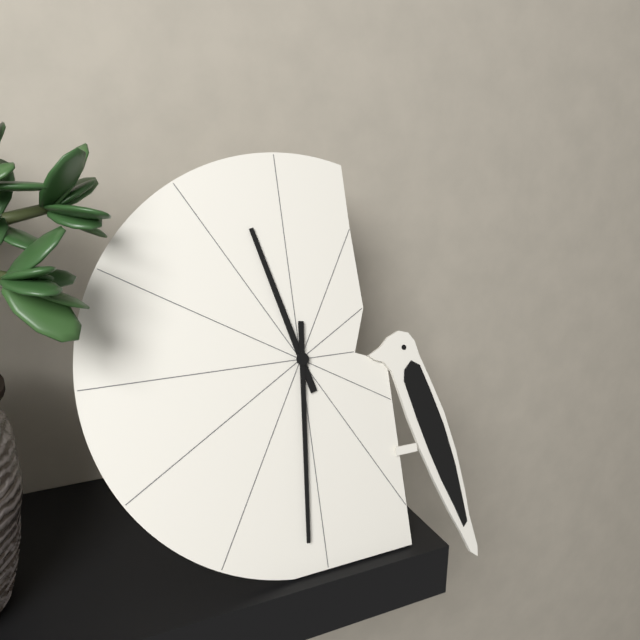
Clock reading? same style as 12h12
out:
11h31
